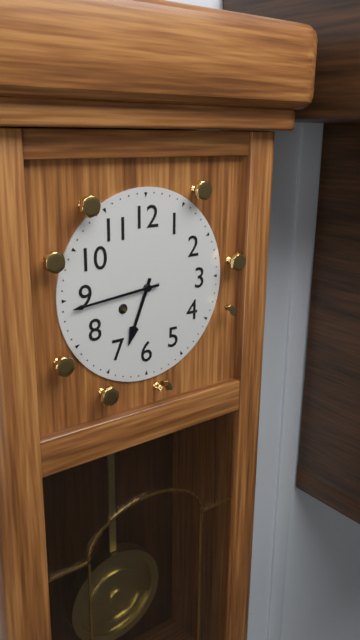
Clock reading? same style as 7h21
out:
6h44
